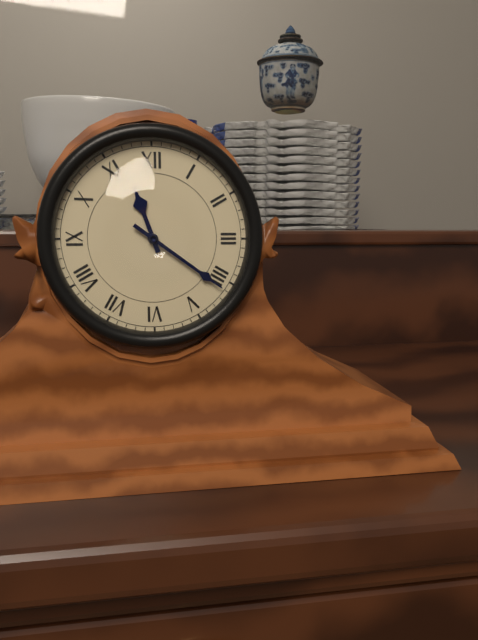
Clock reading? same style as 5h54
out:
11h21
